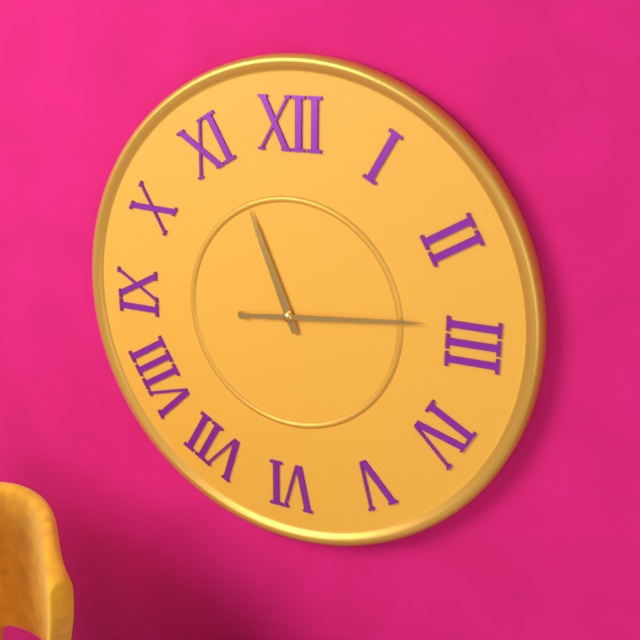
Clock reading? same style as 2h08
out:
11h14
